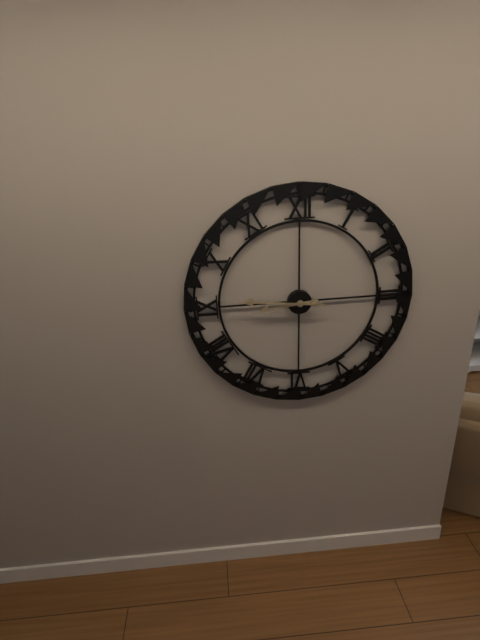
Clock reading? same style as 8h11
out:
8h46
